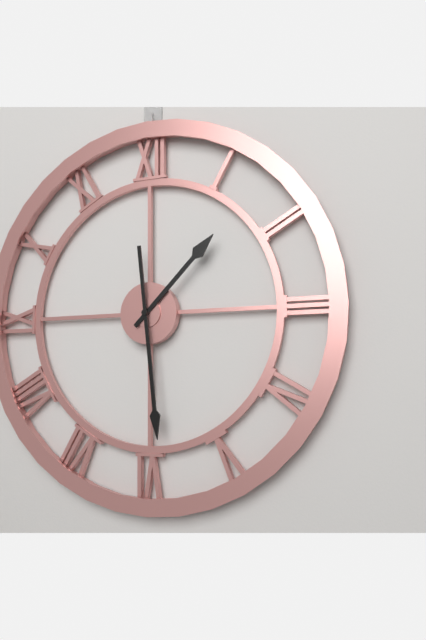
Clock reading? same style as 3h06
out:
1h29
